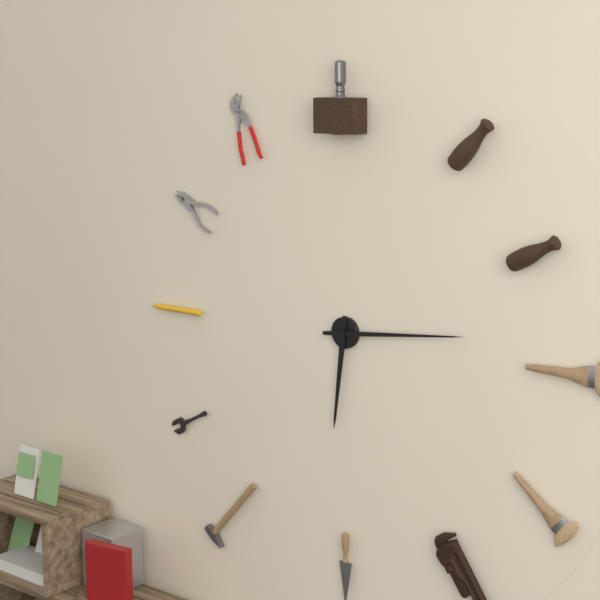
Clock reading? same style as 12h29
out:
6h14
